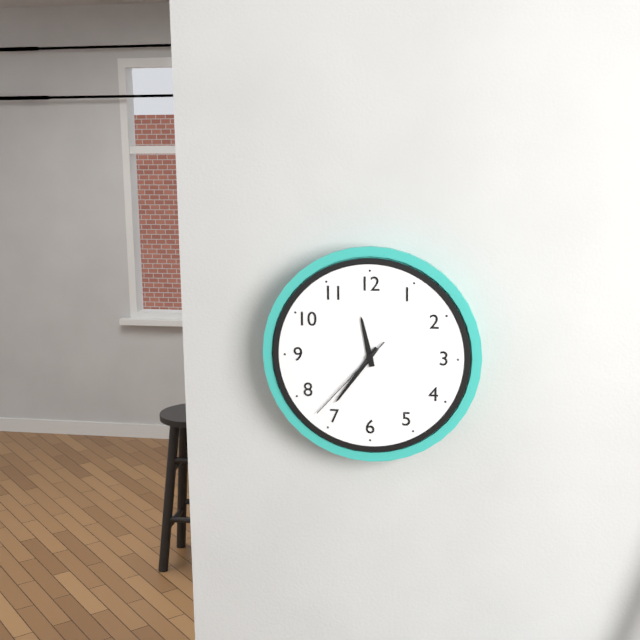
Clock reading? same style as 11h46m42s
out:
11h36m37s
